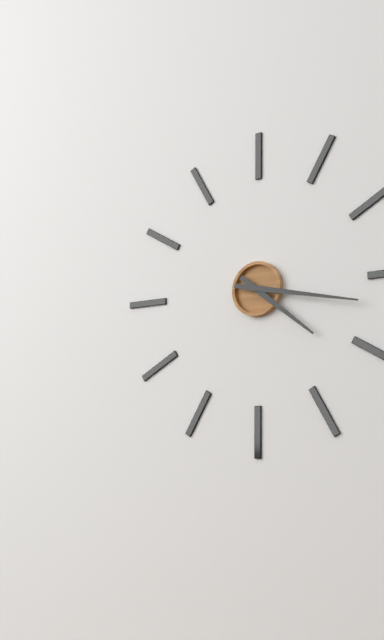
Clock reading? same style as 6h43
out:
4h17
